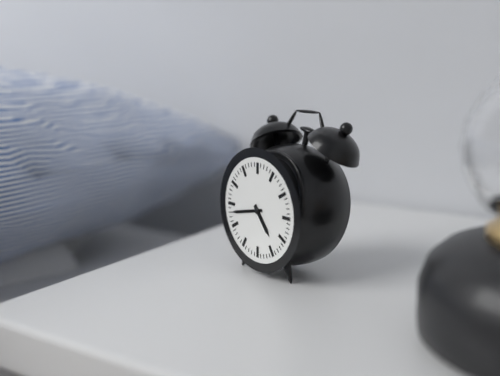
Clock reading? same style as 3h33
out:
4h43
